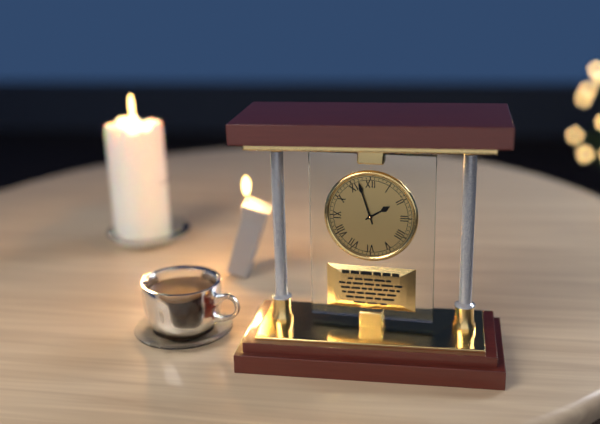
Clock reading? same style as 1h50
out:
1h57
